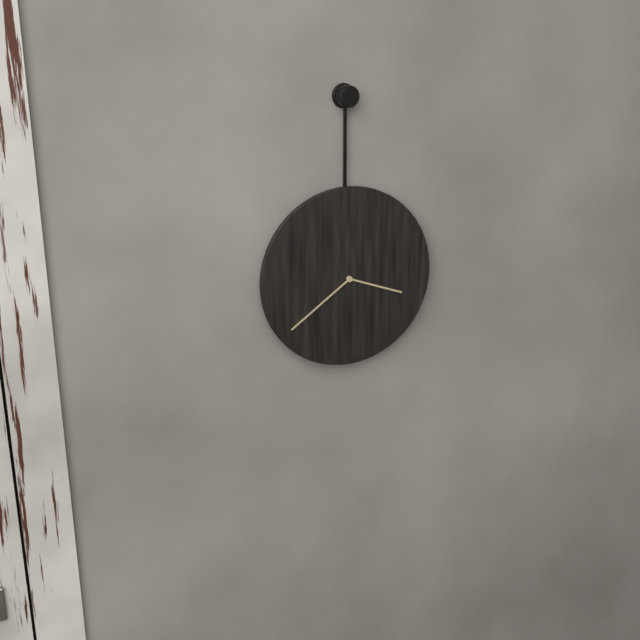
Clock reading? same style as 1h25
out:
3h39
